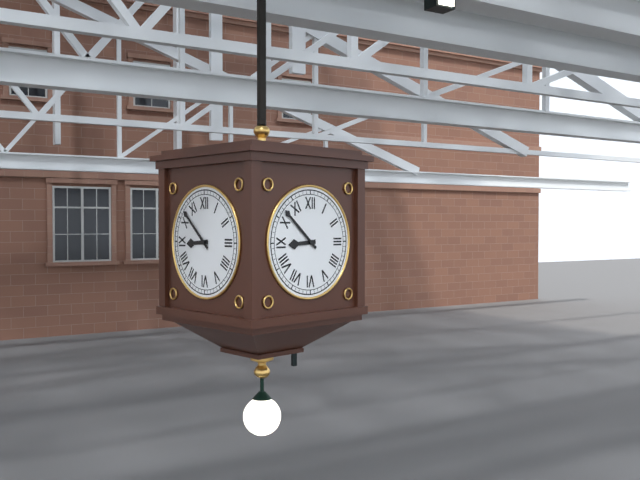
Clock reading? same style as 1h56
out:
8h52
